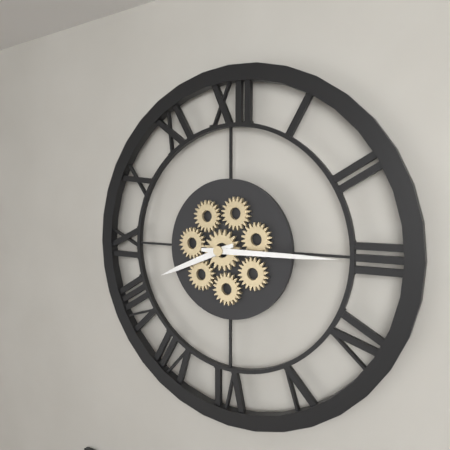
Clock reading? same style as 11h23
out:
8h15
